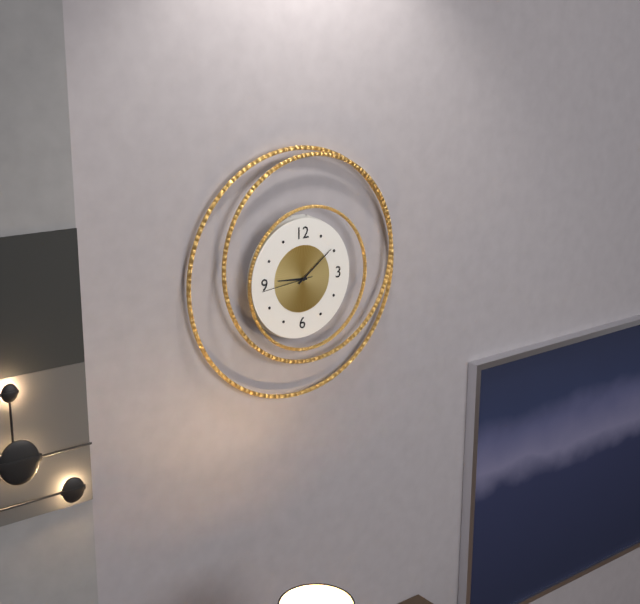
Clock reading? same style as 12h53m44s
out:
9h09m44s
